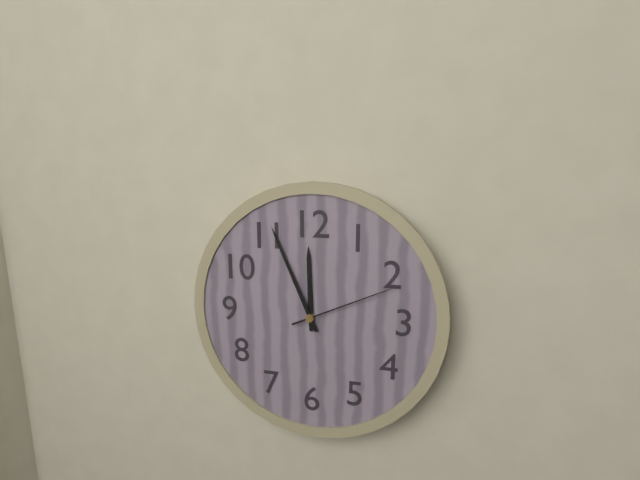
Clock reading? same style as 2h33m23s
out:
11h56m11s
